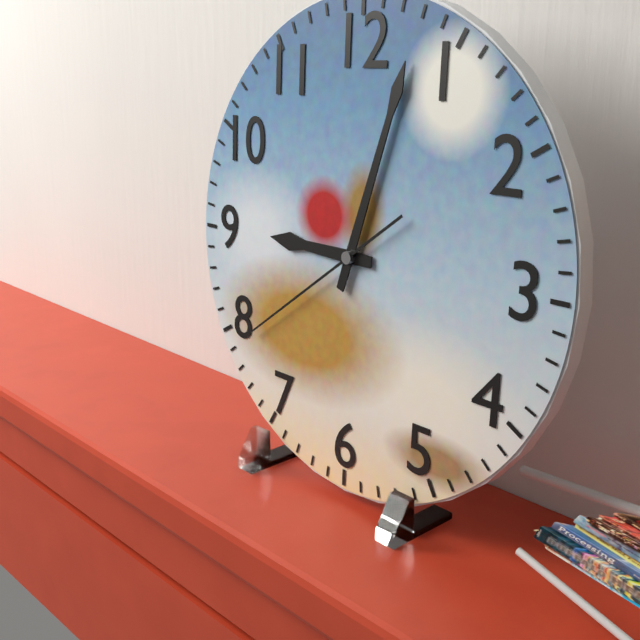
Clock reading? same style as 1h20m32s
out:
9h03m39s
